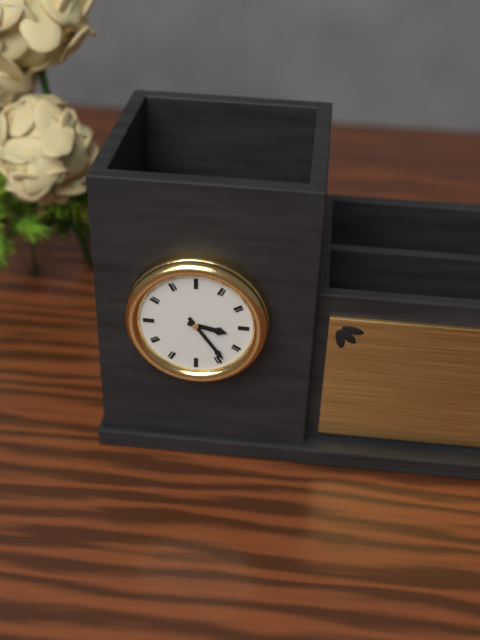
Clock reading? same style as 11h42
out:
3h24
